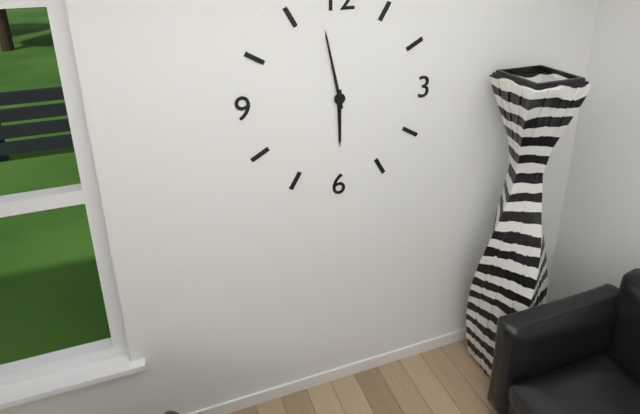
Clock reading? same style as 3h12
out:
5h58
